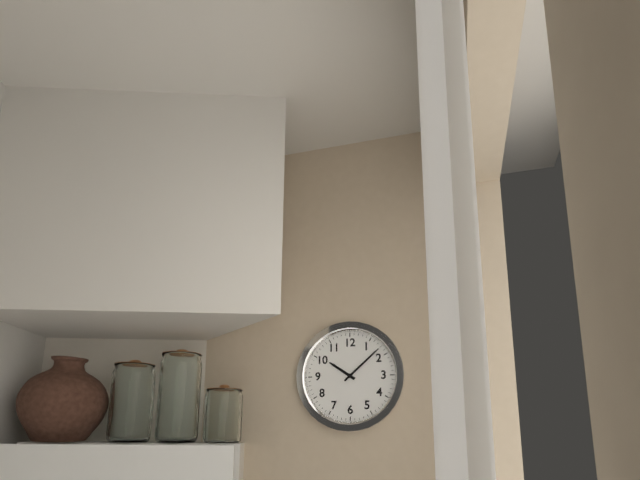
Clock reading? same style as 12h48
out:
10h08
